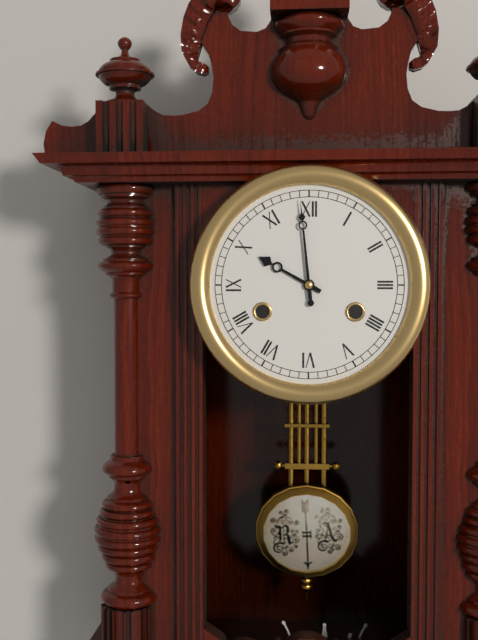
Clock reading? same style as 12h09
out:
9h59
